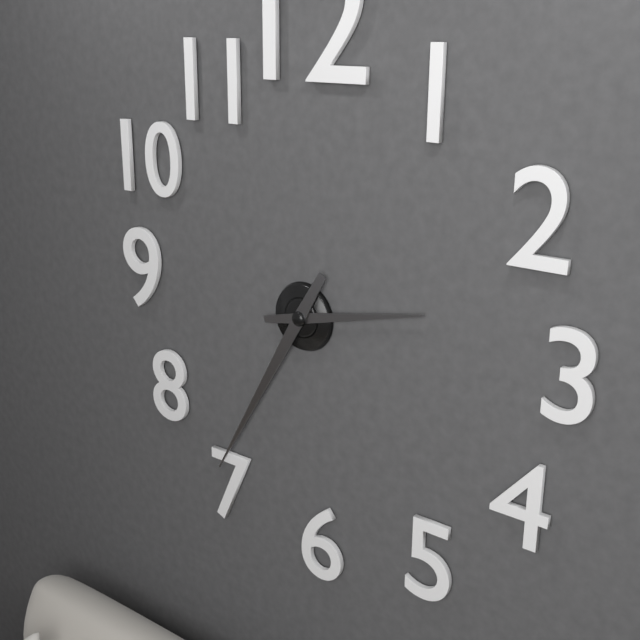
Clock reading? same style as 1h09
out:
2h35
